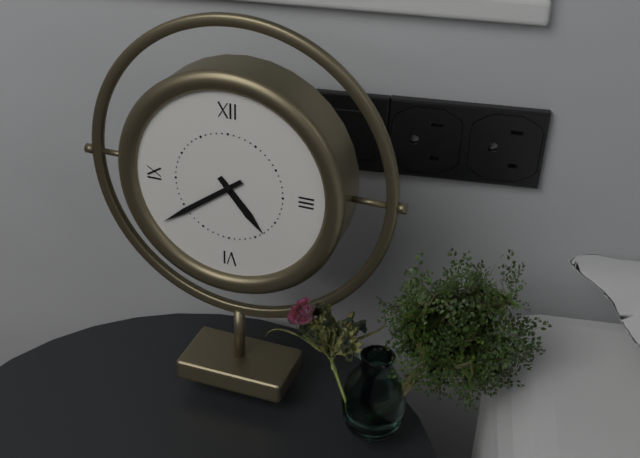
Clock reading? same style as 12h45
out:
4h39
